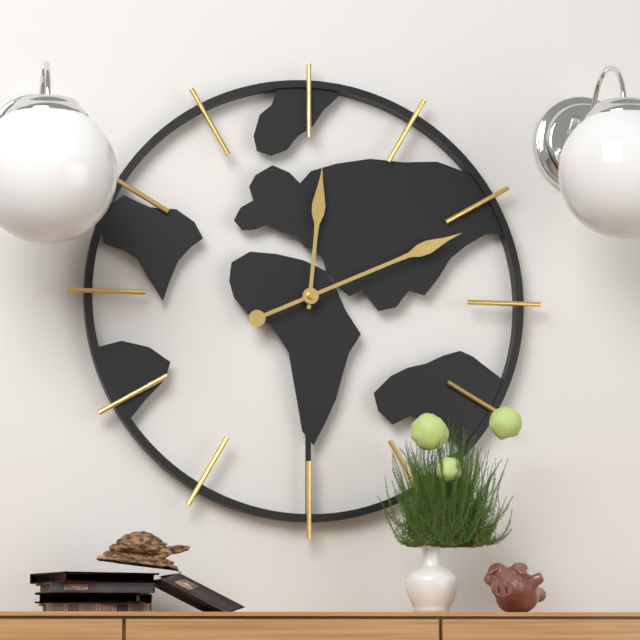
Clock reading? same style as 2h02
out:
12h11
